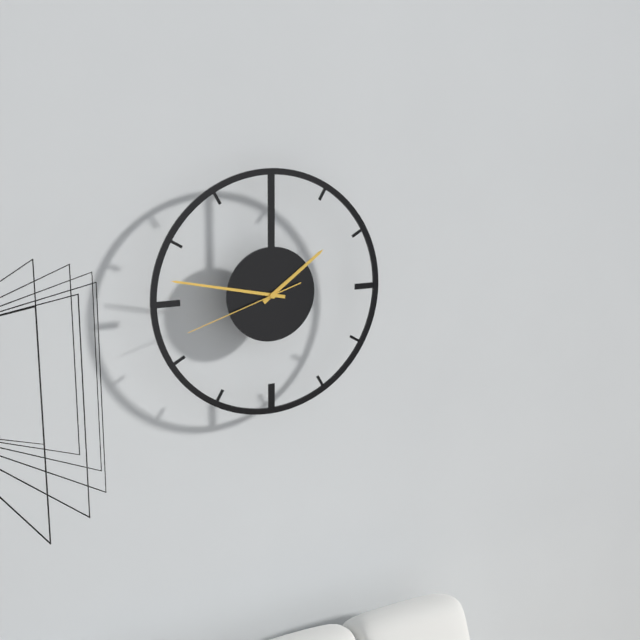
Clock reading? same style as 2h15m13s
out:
1h47m42s
